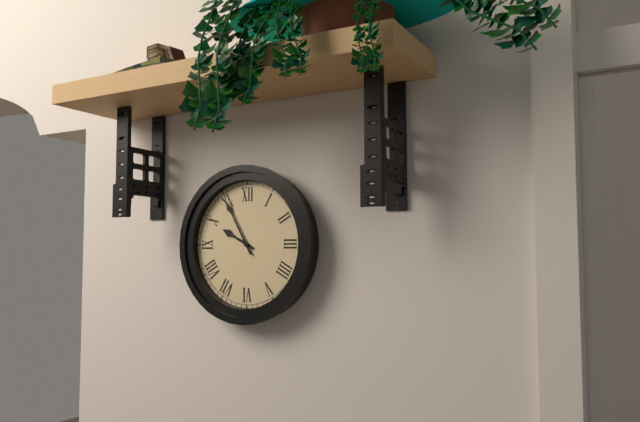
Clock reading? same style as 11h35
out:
9h55
